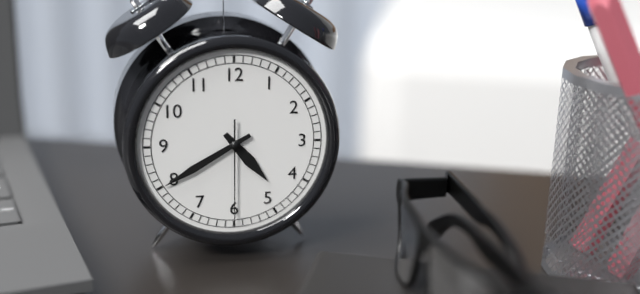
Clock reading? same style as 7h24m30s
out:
4h40m30s
